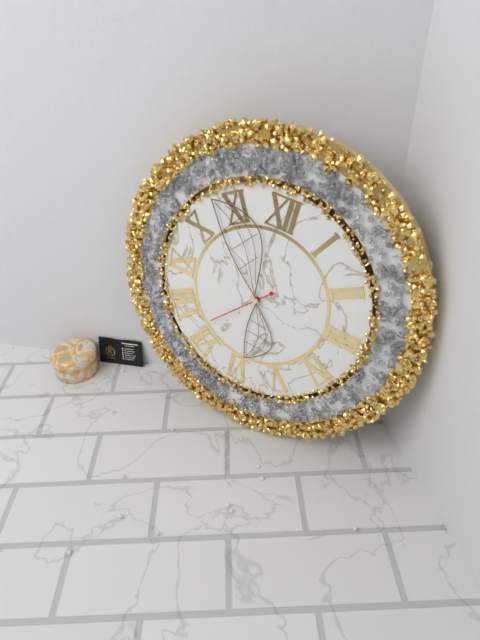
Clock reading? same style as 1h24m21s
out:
5h53m37s
